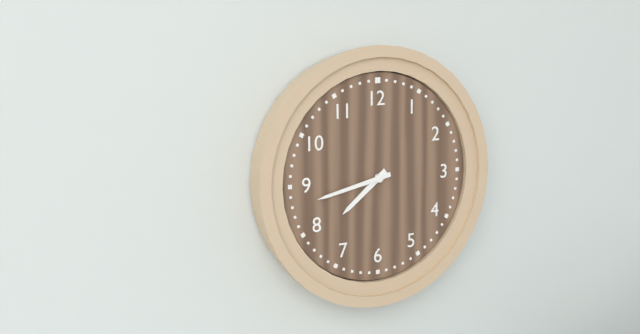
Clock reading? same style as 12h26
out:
7h43
